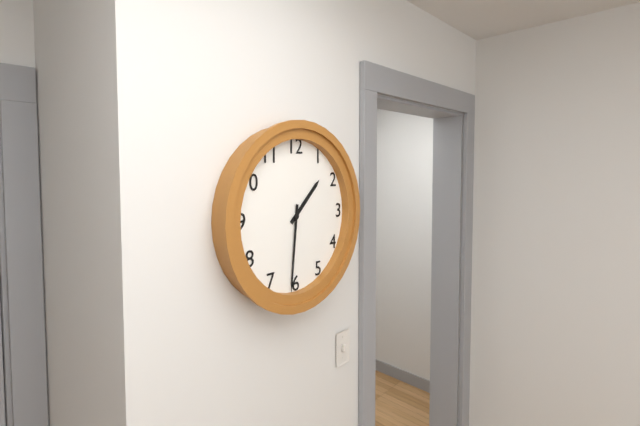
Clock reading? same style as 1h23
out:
1h31
